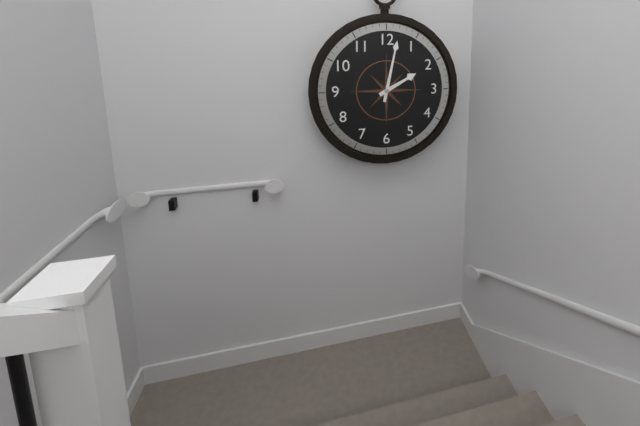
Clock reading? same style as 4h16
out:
2h02
